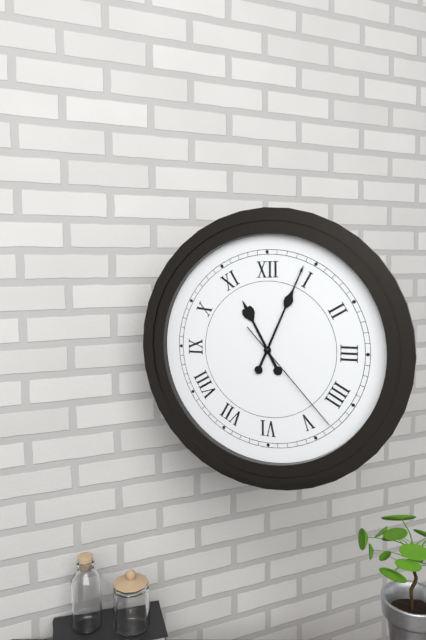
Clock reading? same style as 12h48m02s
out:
11h04m23s
